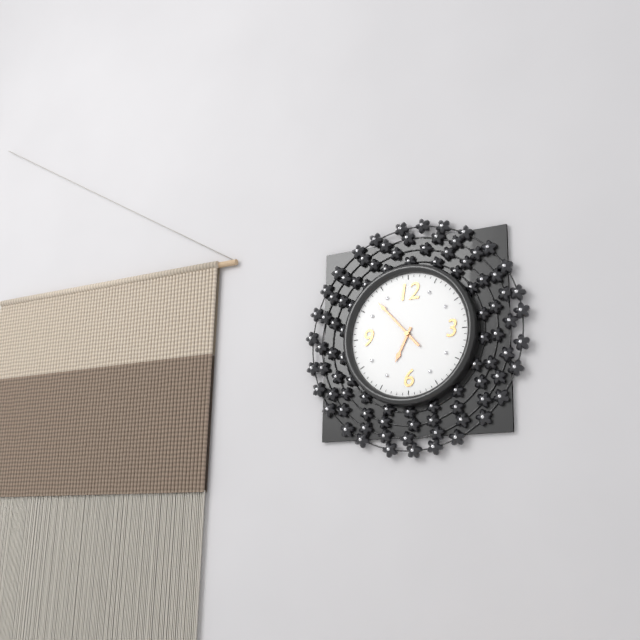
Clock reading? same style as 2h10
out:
6h53
